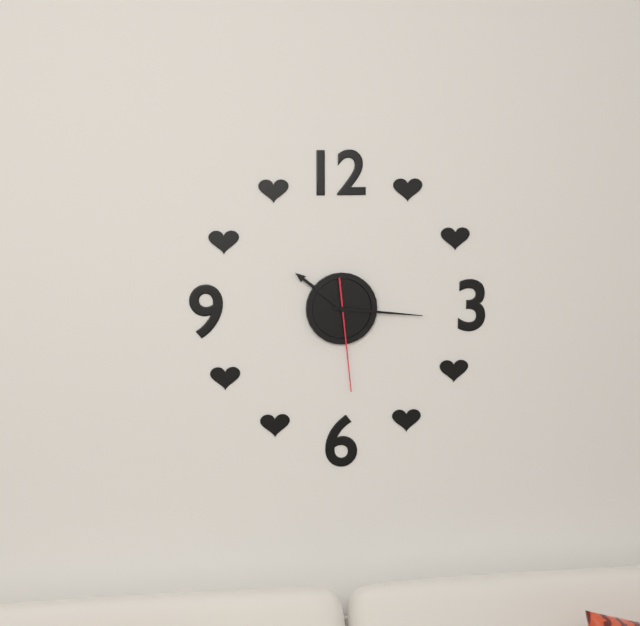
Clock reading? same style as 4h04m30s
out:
10h16m29s
